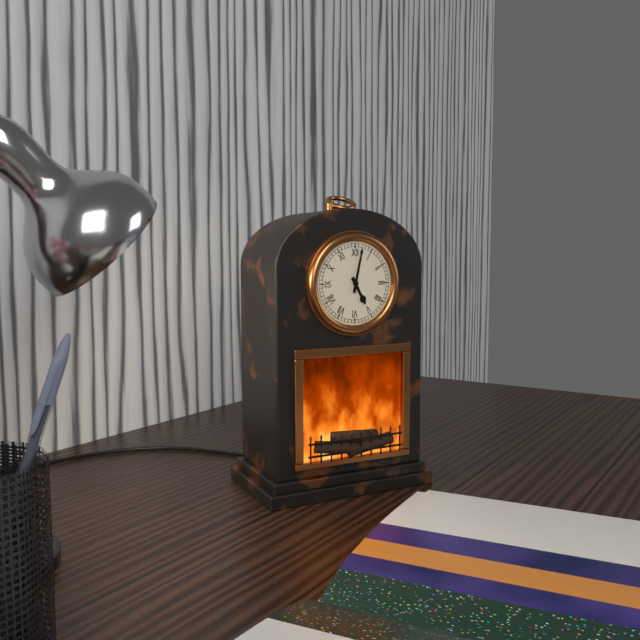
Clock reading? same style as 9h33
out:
5h02
